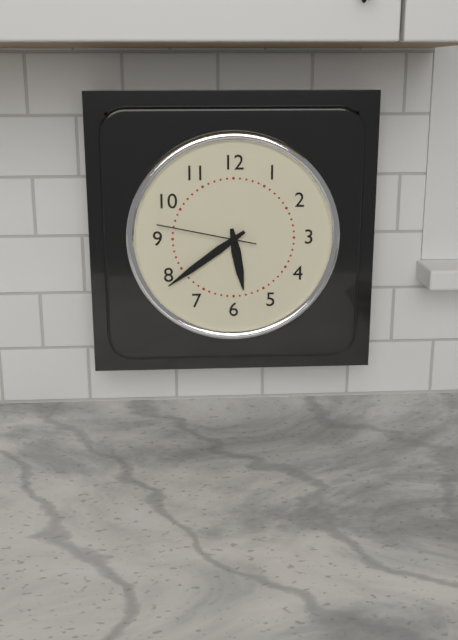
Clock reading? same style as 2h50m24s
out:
5h39m47s
